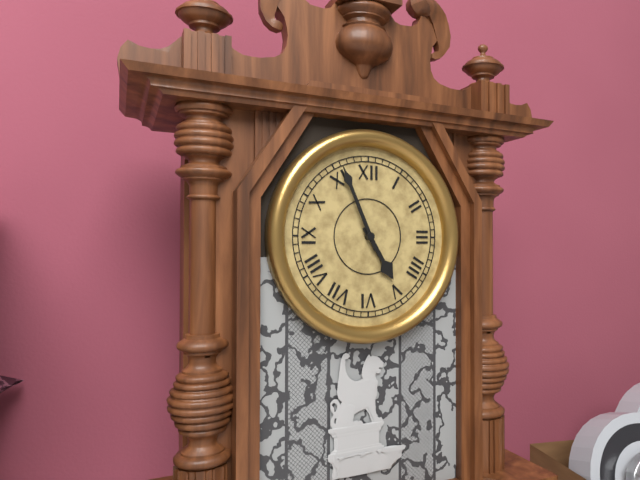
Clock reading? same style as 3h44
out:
4h56
